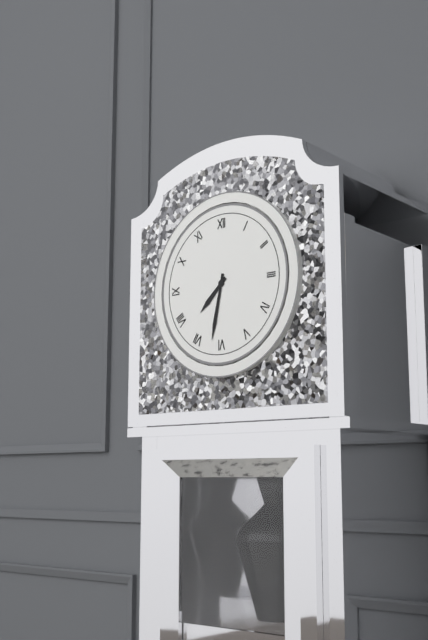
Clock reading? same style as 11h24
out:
7h32
